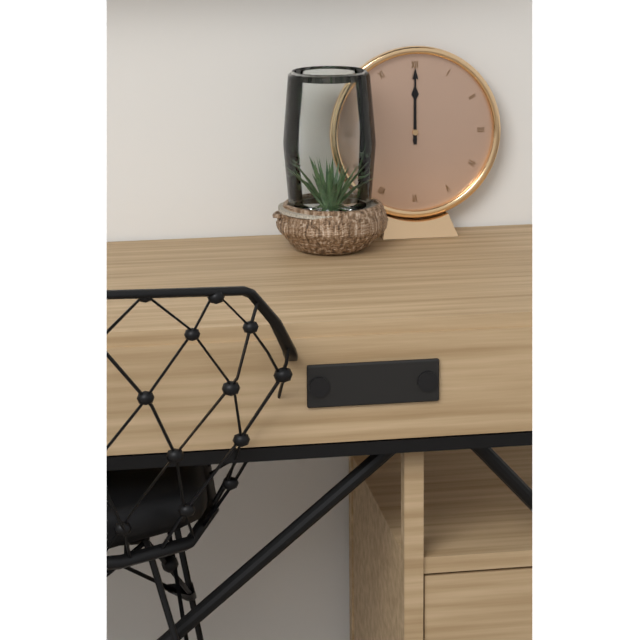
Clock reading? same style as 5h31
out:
12h00
